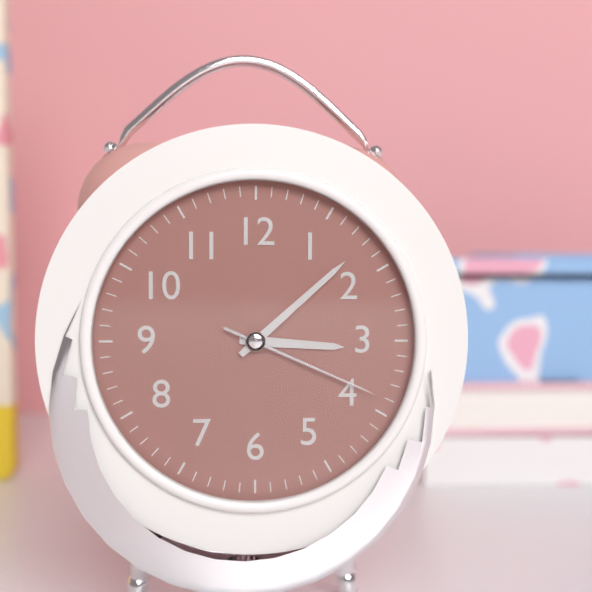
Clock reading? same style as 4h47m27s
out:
3h08m19s
